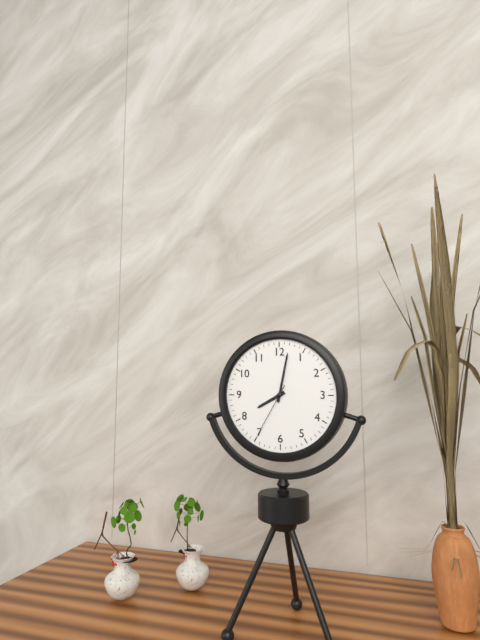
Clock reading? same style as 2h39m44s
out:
8h02m35s
